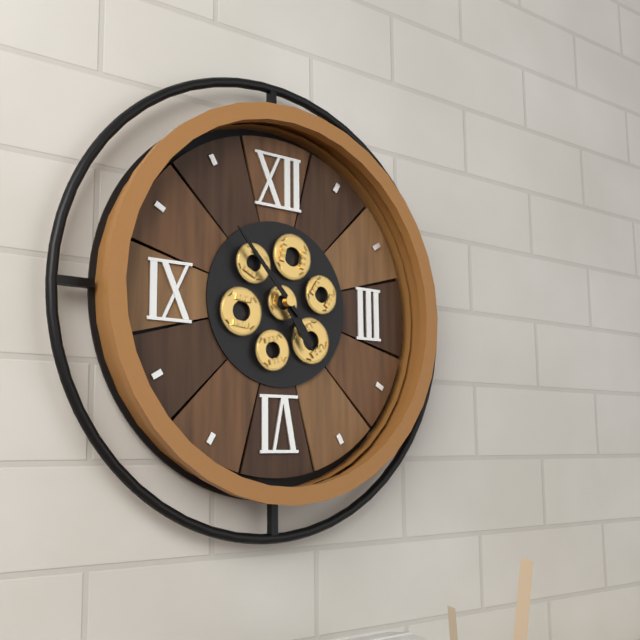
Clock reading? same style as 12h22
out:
4h53
